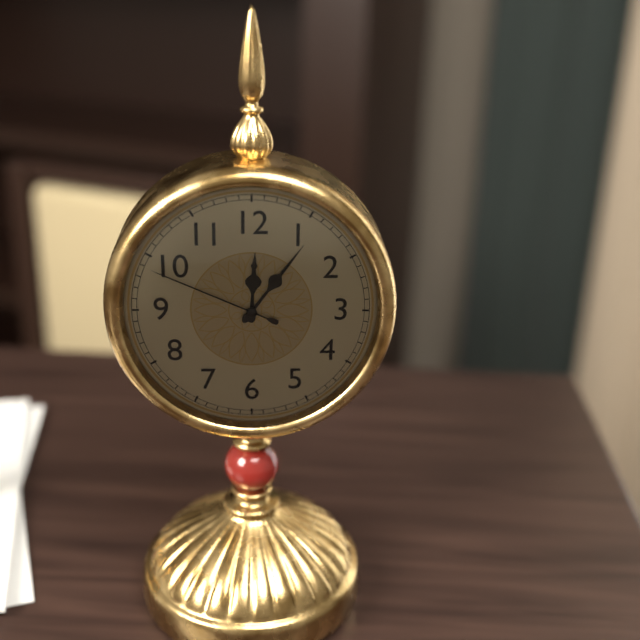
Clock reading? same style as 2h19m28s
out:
12h06m49s
